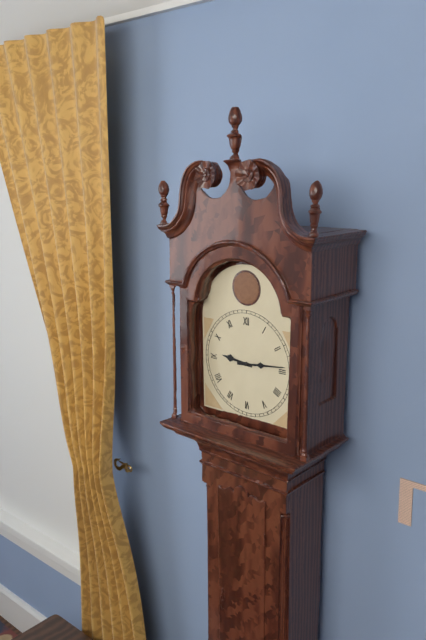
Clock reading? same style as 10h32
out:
9h14
